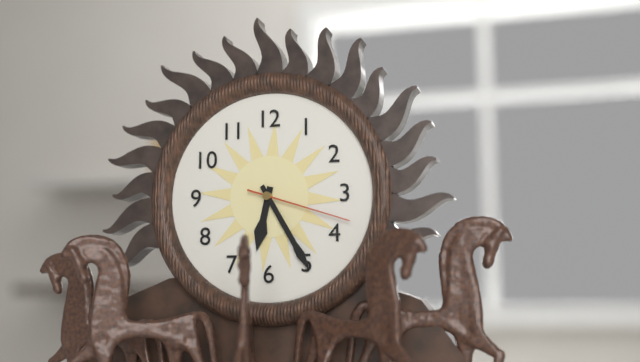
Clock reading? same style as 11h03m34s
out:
6h25m18s
